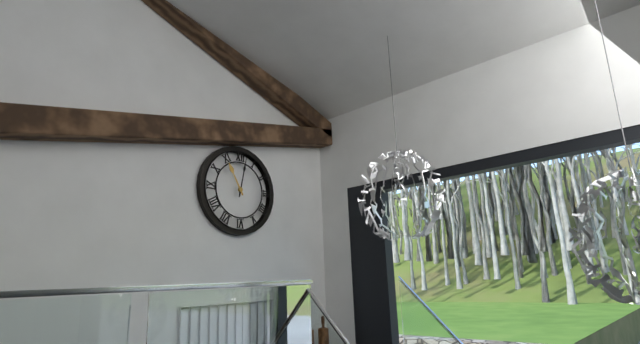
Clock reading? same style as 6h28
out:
11h02
